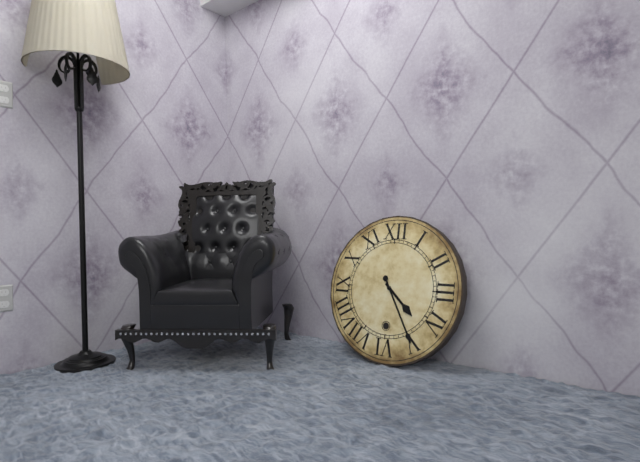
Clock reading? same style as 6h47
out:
4h25
